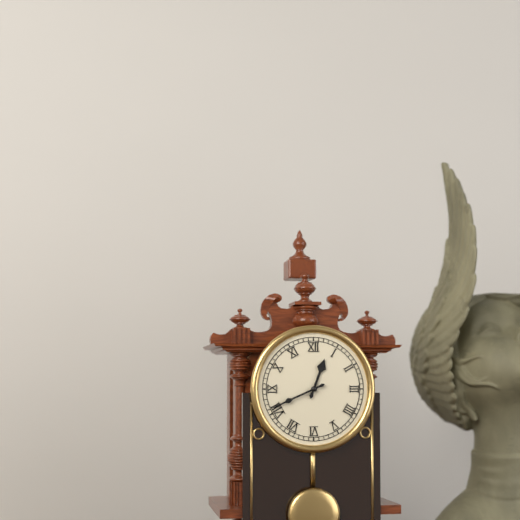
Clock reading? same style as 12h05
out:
12h41
